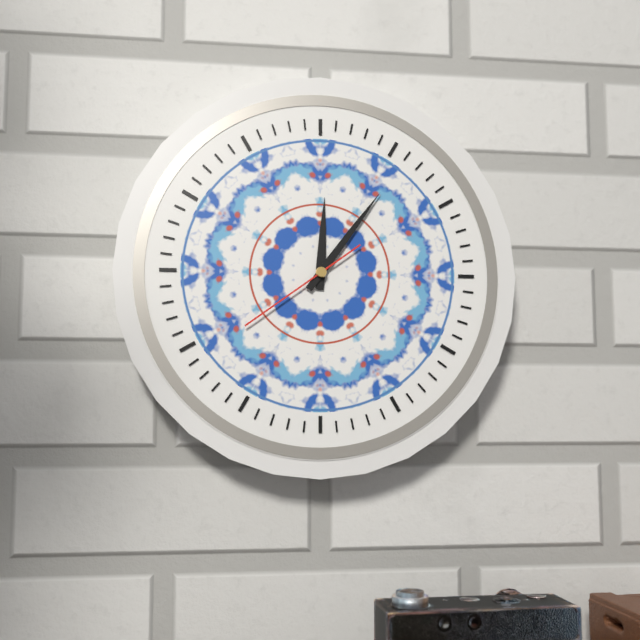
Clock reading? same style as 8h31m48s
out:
12h06m39s
